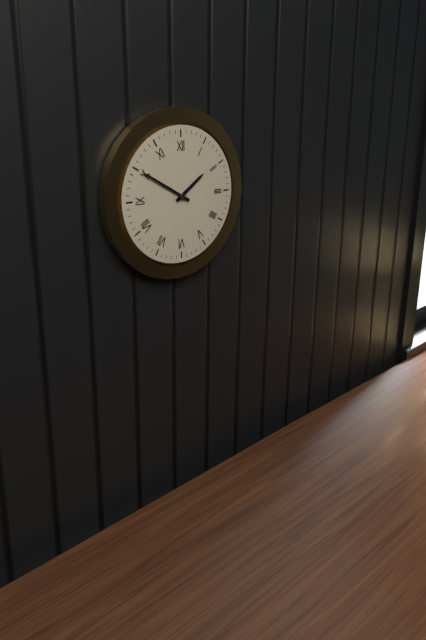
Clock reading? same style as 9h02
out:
1h50
